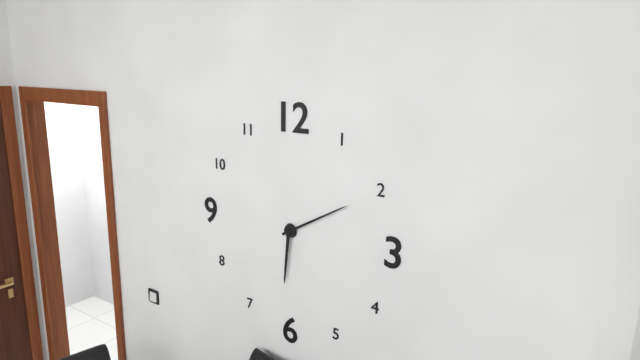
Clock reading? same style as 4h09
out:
6h10
